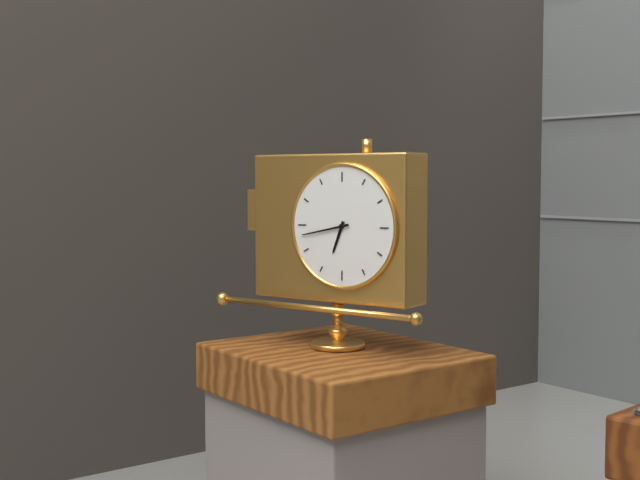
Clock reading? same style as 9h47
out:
6h43
